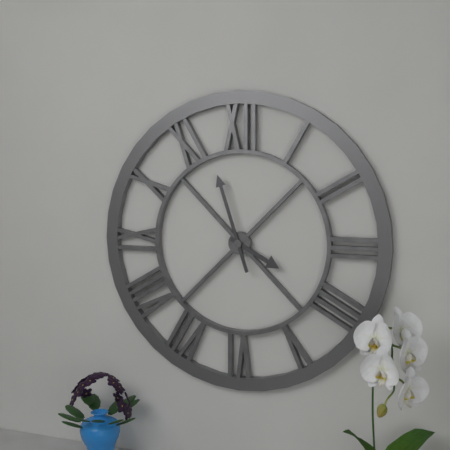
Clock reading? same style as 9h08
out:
3h57
